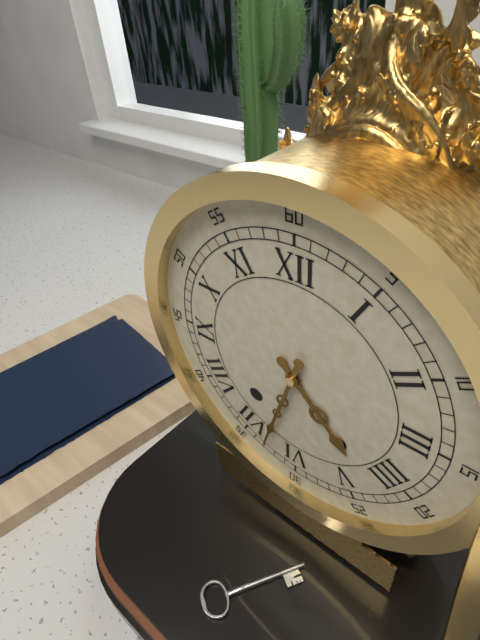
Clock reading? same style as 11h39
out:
4h33
